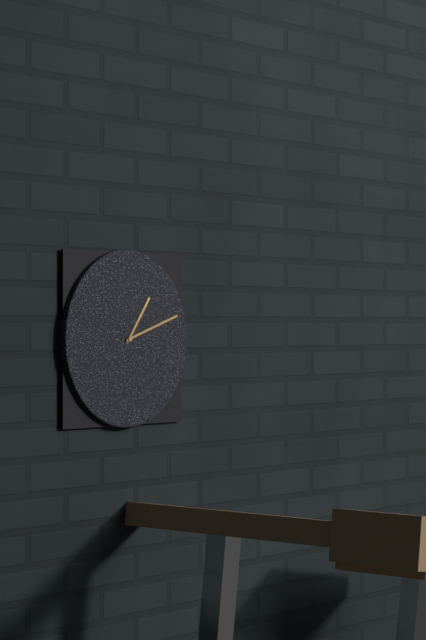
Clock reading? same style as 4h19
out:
1h12
